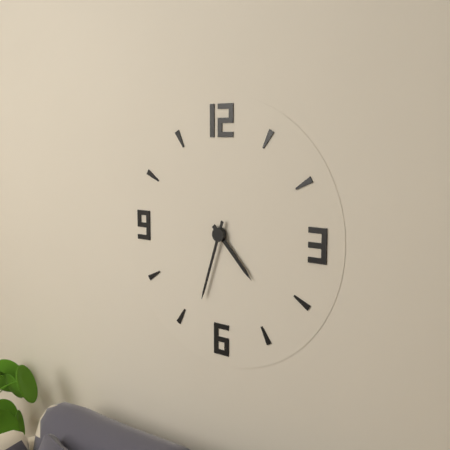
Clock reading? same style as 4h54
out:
4h33
